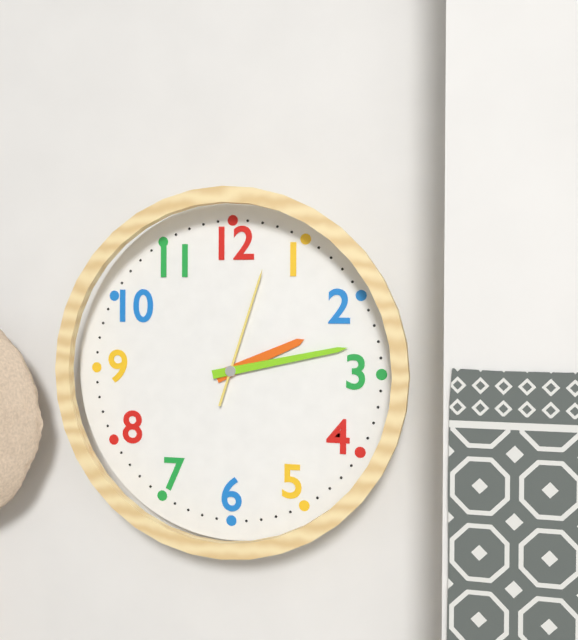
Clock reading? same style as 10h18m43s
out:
2h13m03s
